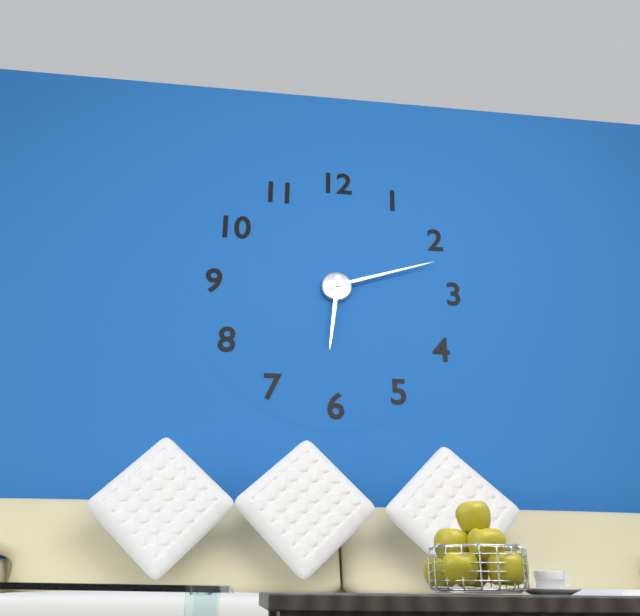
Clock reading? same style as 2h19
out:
6h12
